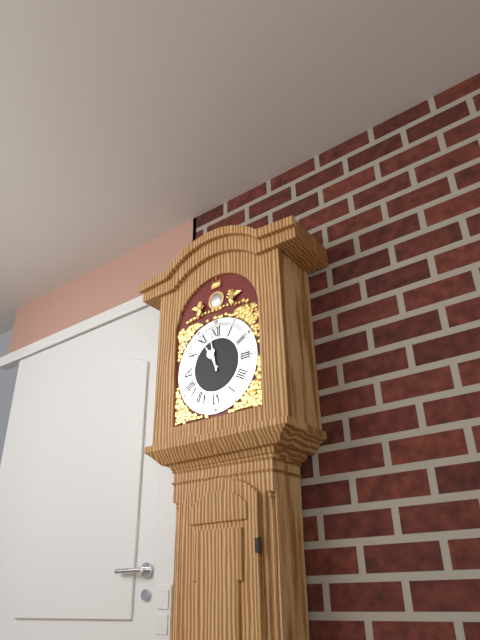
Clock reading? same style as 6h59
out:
10h58
